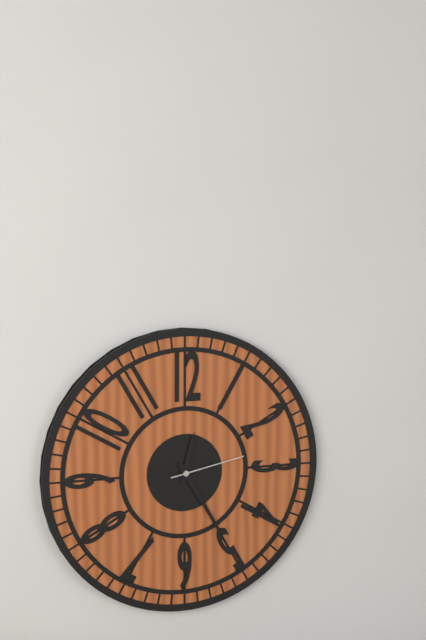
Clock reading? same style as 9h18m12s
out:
12h25m13s
